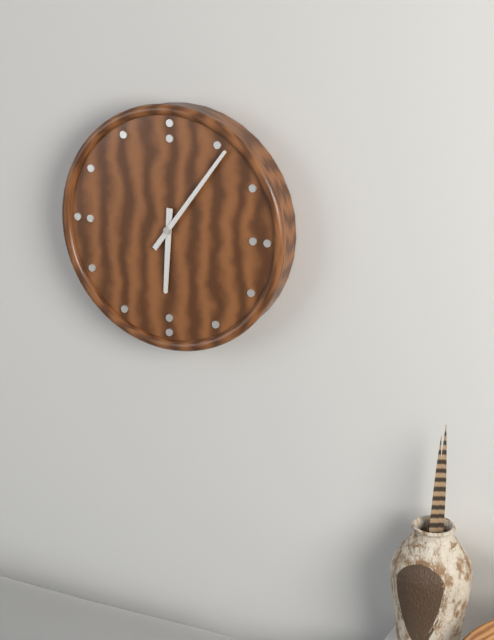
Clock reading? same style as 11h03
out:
6h06
